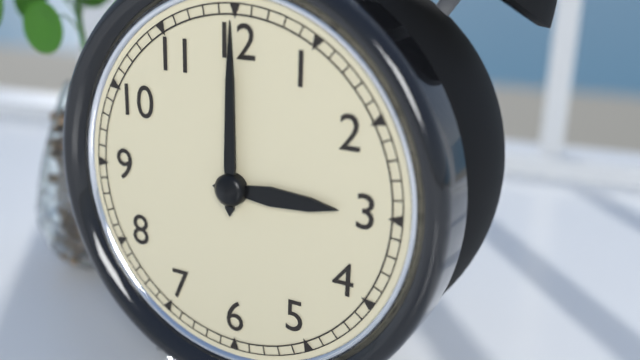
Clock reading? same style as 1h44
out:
3h00
